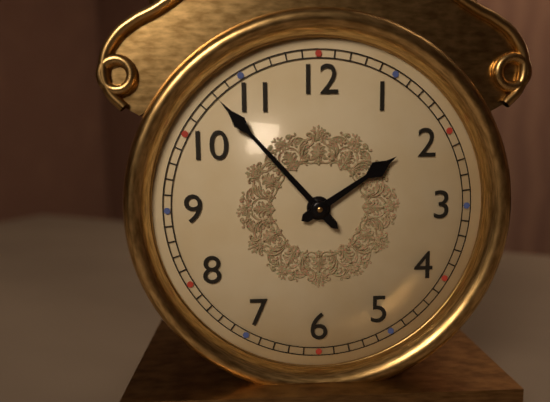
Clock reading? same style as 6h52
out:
1h53
